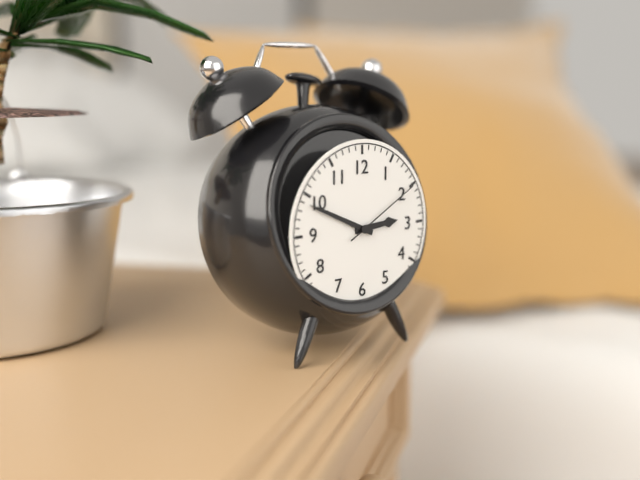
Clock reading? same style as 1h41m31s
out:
2h49m10s
